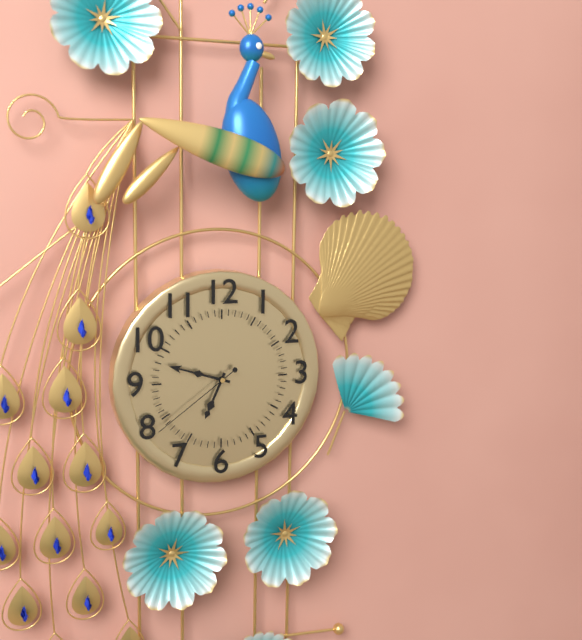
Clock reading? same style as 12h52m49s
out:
6h48m39s
